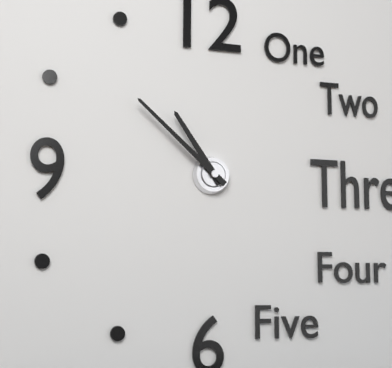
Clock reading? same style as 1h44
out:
10h52
